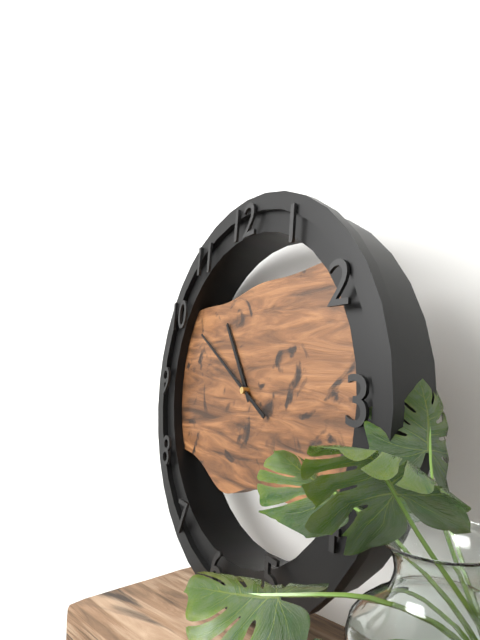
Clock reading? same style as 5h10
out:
10h50
